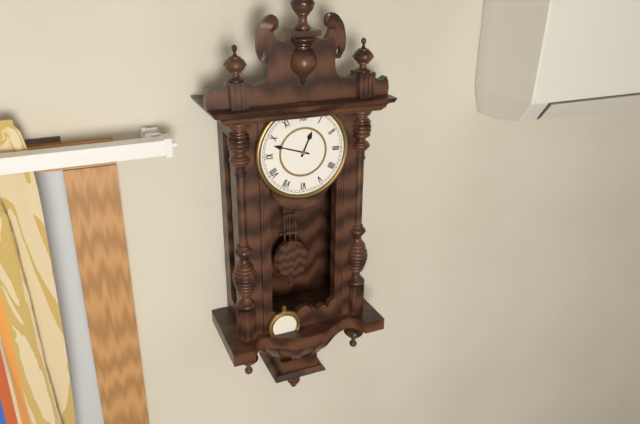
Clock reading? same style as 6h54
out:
12h48
